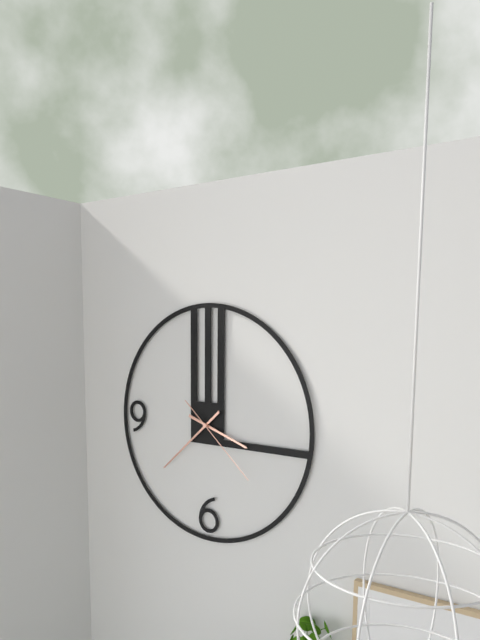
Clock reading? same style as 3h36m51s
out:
3h38m22s
